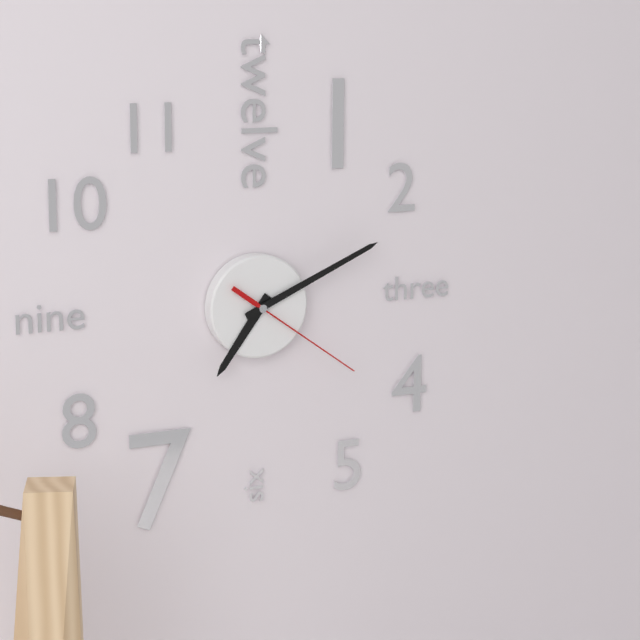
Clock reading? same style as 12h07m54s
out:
7h11m21s
